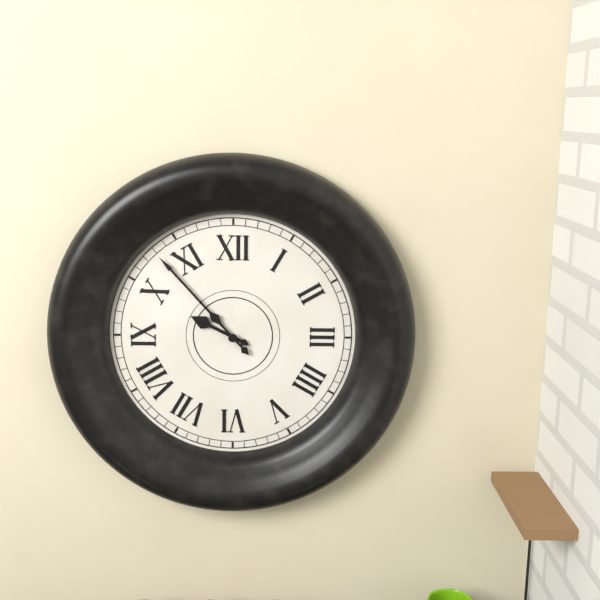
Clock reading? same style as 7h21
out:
9h53
